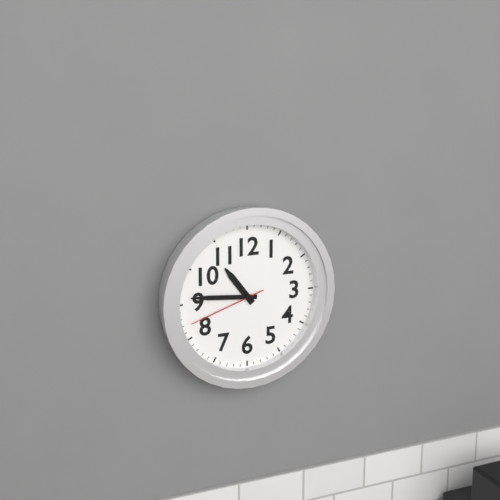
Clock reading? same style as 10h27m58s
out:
10h46m42s
